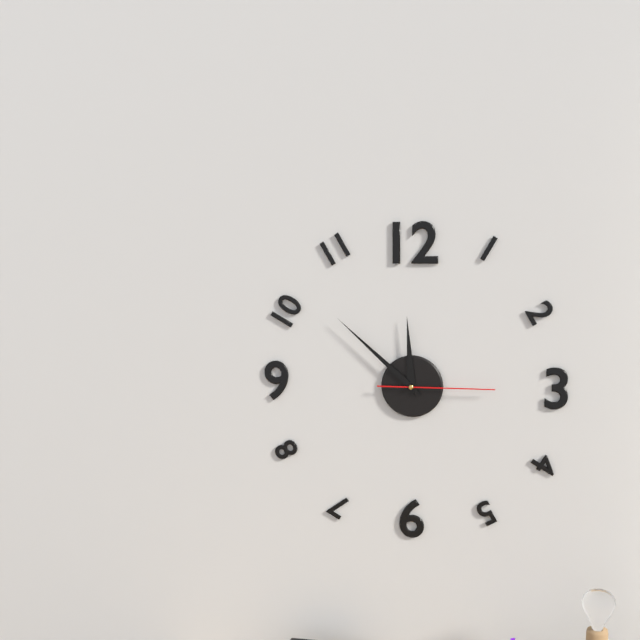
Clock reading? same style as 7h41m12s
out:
11h52m15s
